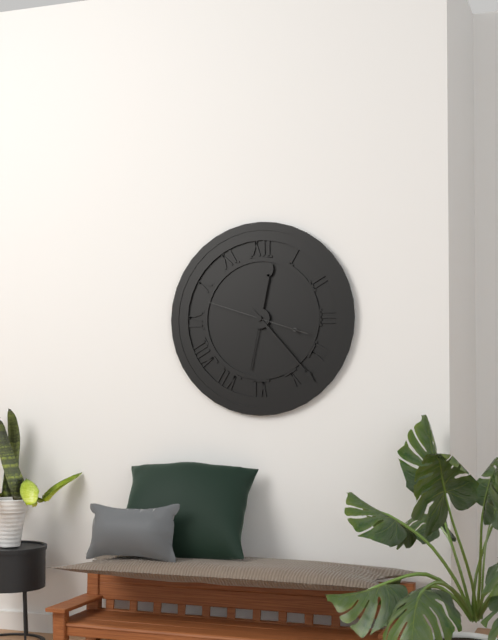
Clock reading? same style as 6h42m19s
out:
12h23m48s
